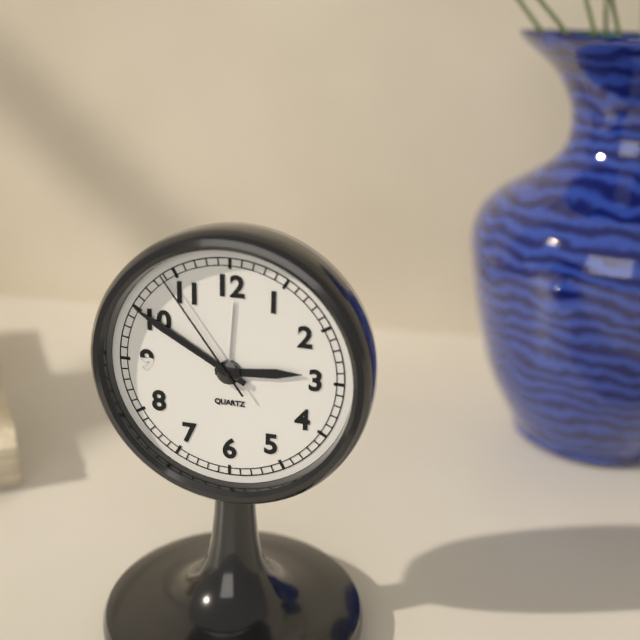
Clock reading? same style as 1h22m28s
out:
2h50m54s
